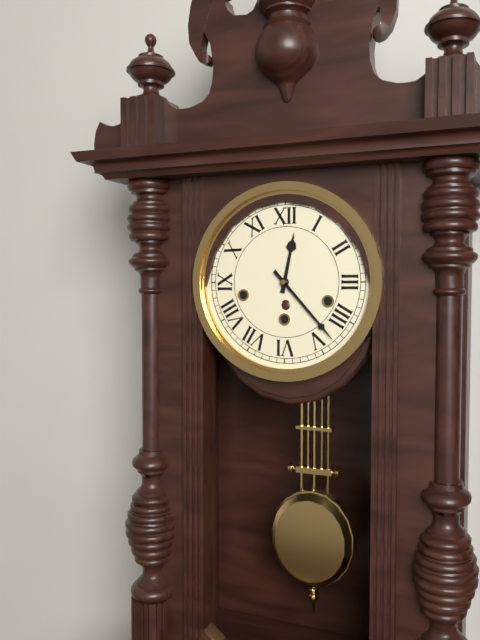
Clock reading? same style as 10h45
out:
12h23
